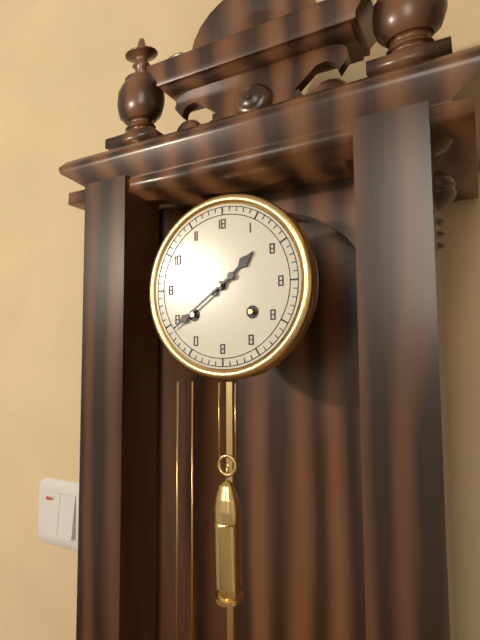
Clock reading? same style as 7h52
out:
1h39
